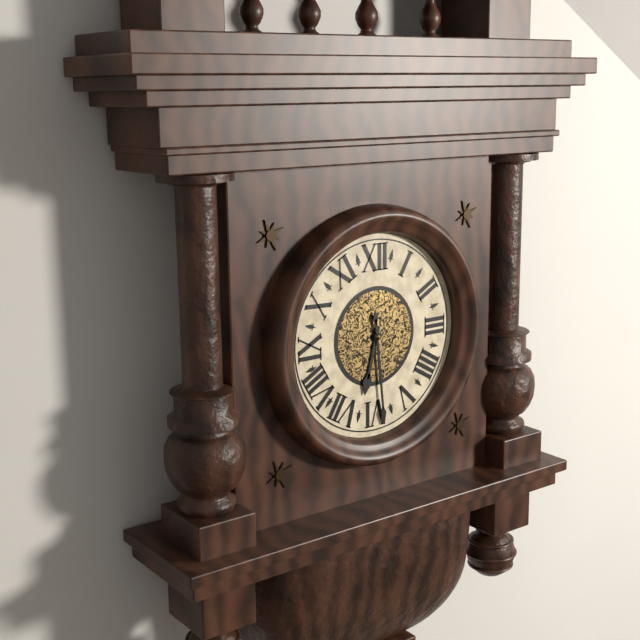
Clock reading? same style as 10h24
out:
6h29
